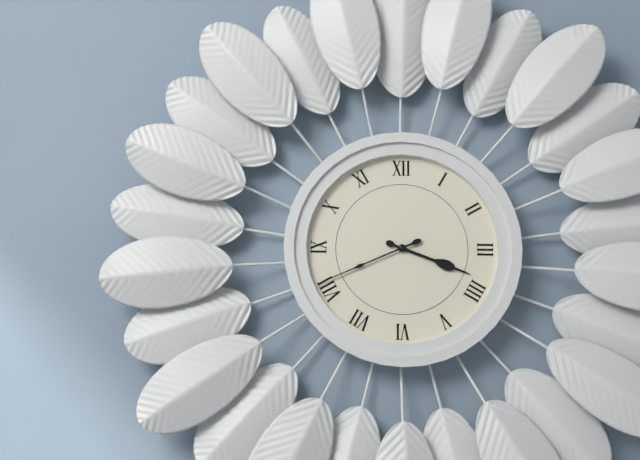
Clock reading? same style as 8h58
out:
3h41
